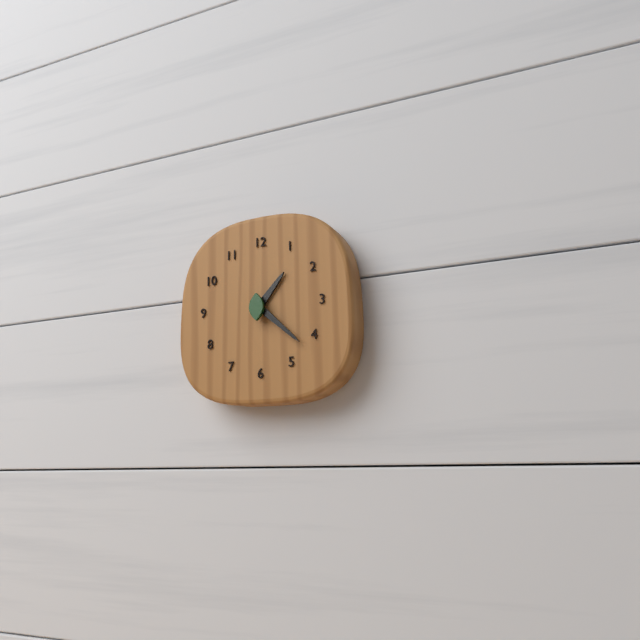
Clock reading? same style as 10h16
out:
1h22
